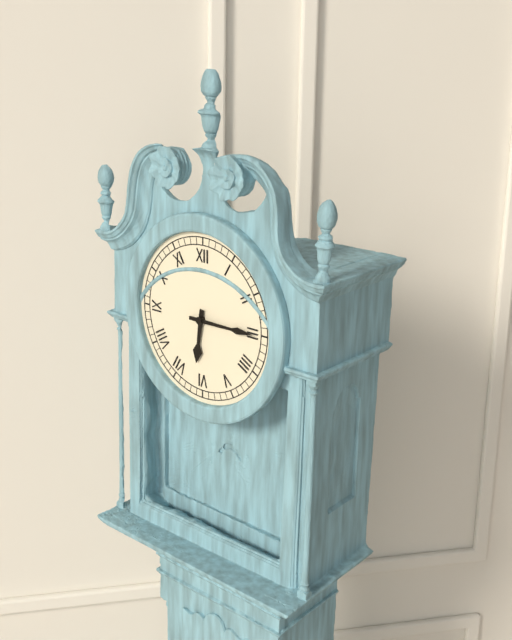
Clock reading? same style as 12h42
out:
6h15
